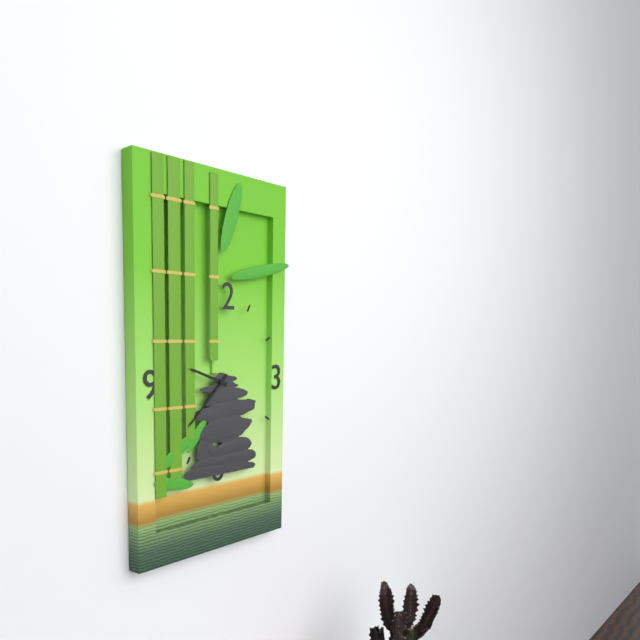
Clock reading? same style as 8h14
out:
9h38
